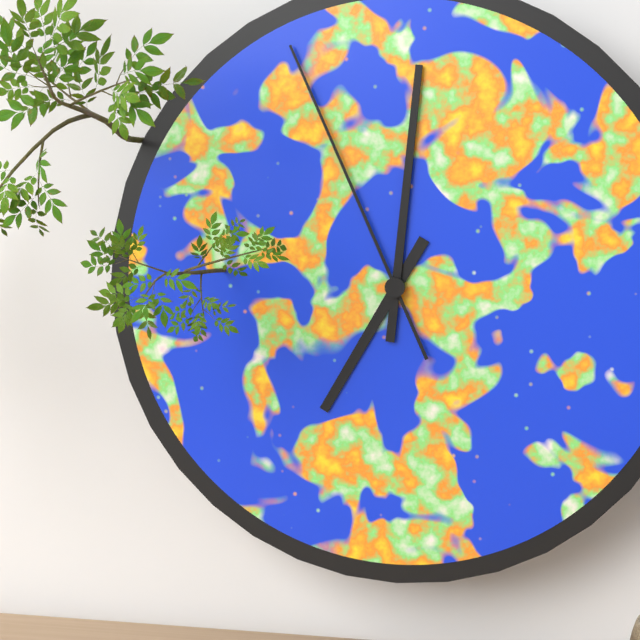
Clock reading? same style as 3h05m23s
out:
7h01m56s
